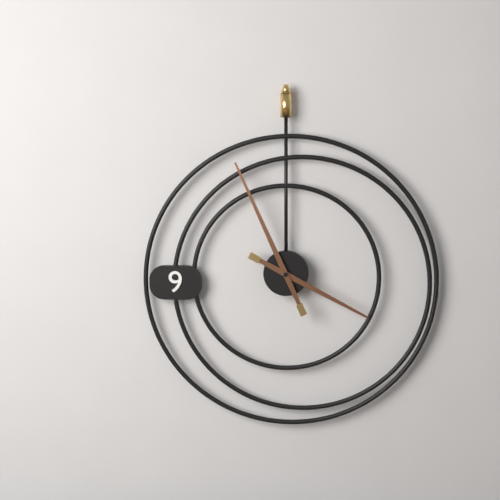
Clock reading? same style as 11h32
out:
3h56
